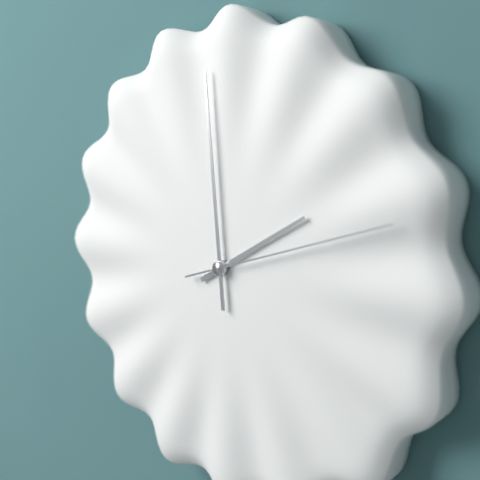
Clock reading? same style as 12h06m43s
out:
1h59m12s
